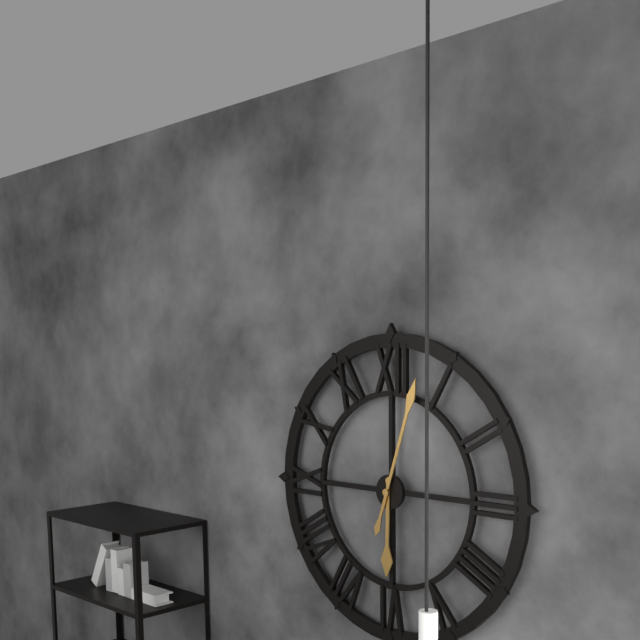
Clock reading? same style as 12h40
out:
6h03
